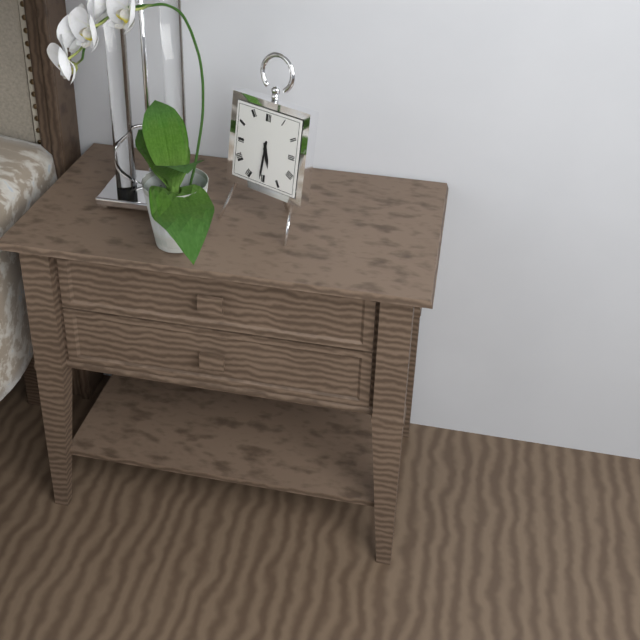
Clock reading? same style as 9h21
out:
5h31
